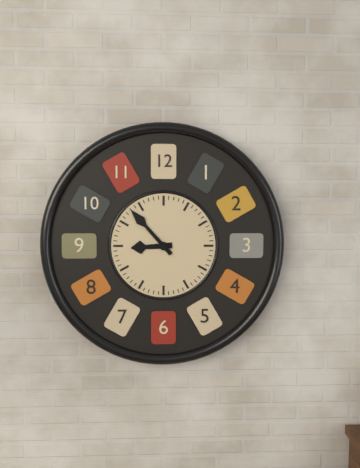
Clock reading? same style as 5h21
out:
8h53
